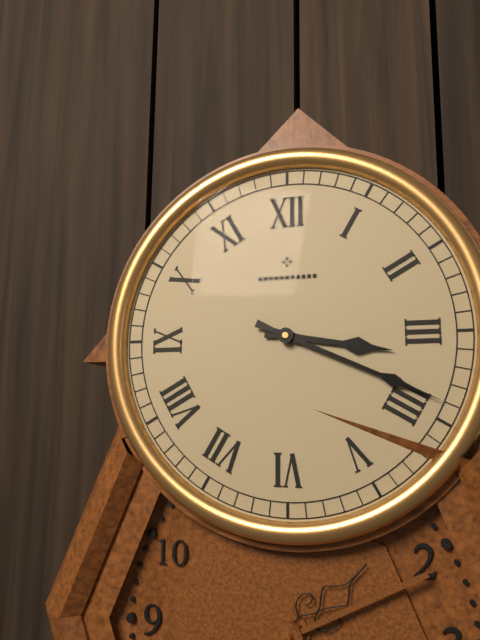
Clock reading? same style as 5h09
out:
3h19
